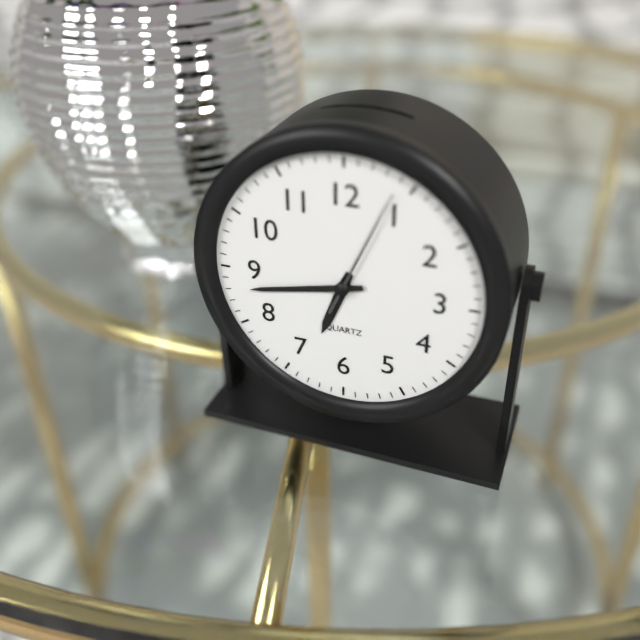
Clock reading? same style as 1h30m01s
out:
6h43m04s
